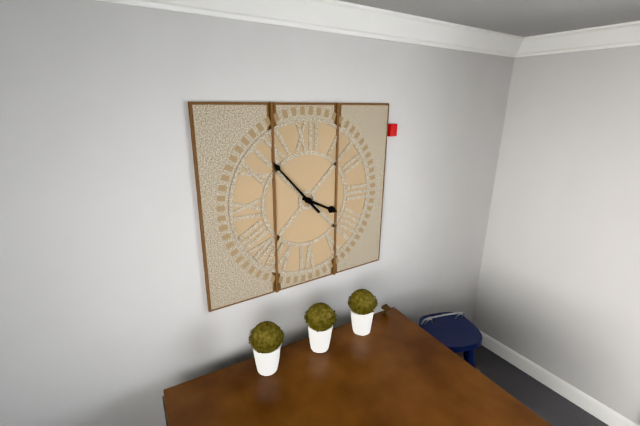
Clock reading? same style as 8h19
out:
3h53
